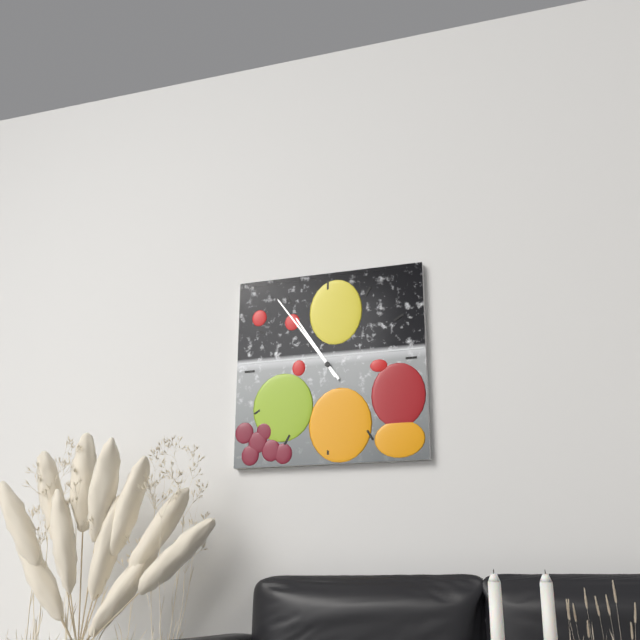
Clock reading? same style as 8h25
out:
10h54
